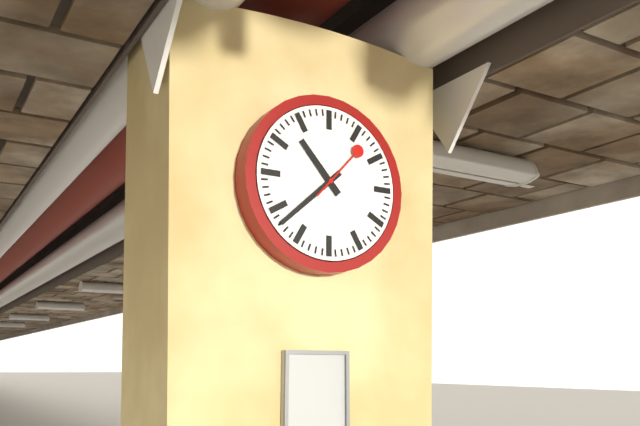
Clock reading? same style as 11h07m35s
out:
10h38m07s
